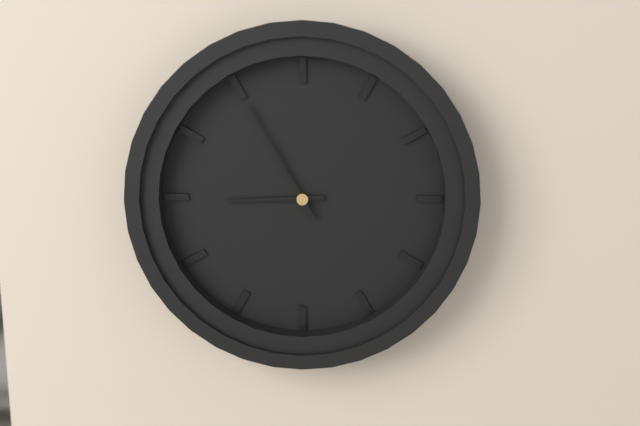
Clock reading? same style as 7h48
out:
8h55
